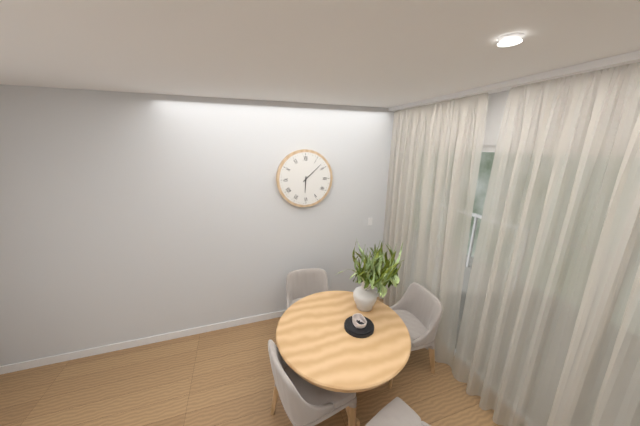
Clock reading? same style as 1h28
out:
6h08
